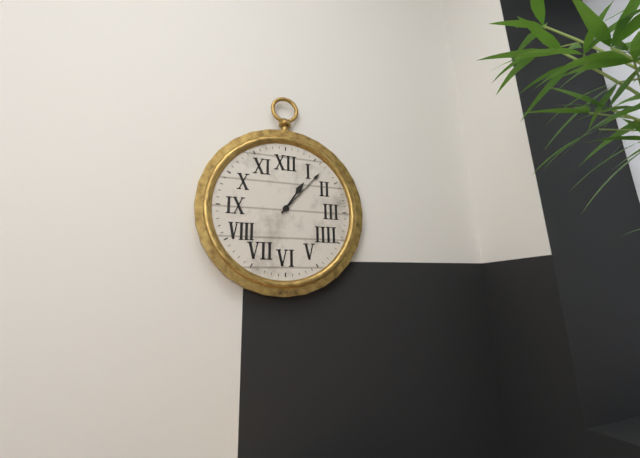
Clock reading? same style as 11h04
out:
1h07
